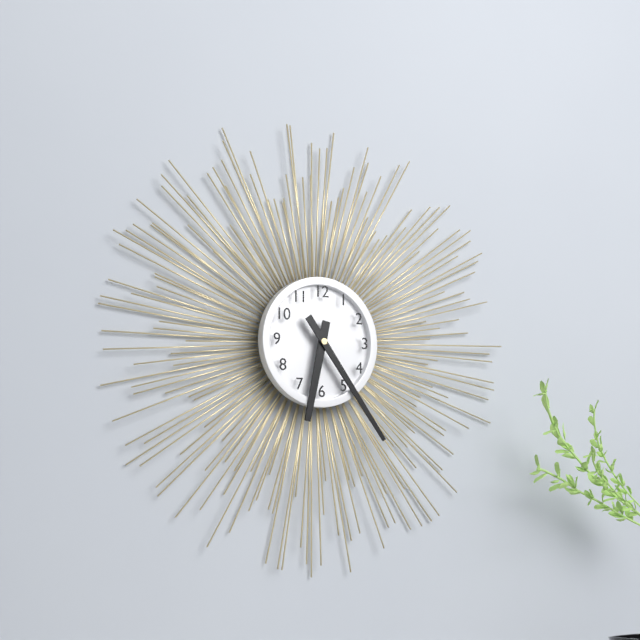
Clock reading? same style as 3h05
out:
6h24
